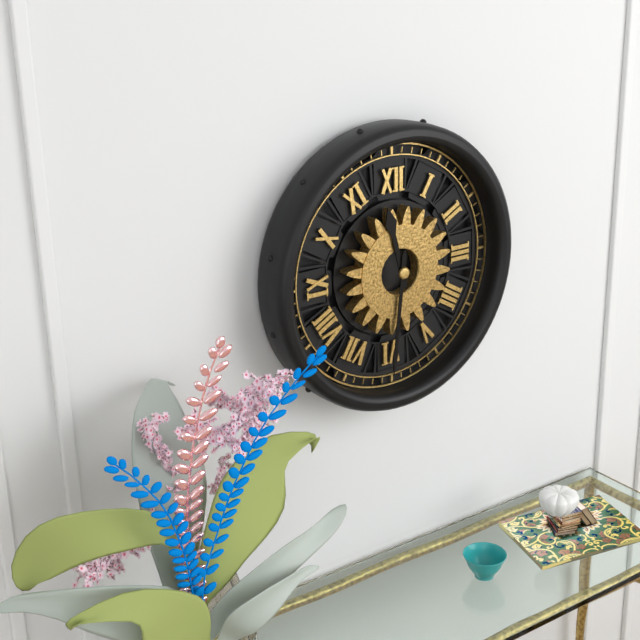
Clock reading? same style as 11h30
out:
11h31
